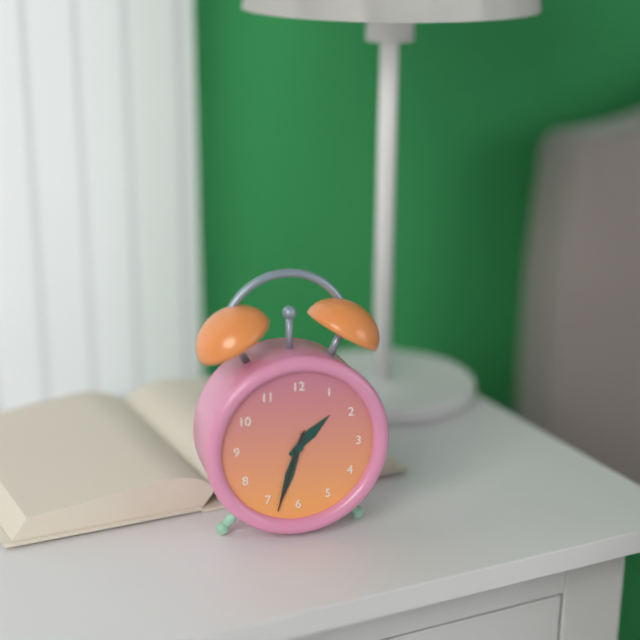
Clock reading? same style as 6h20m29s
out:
1h33m33s
